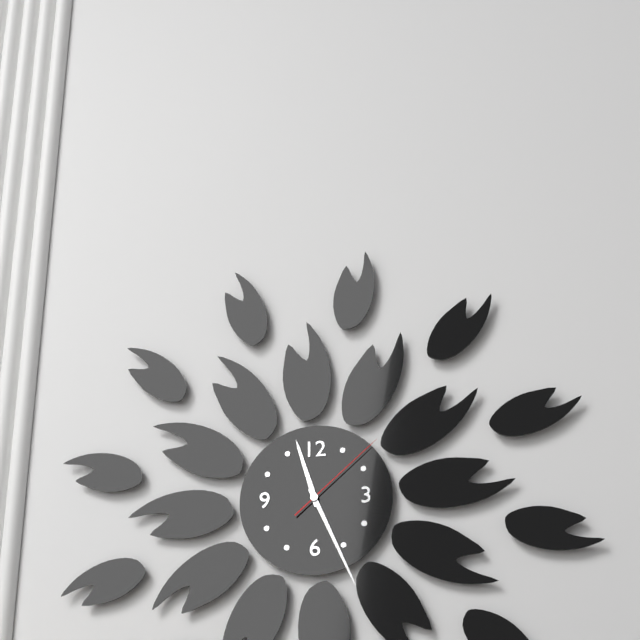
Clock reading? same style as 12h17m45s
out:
11h26m08s
